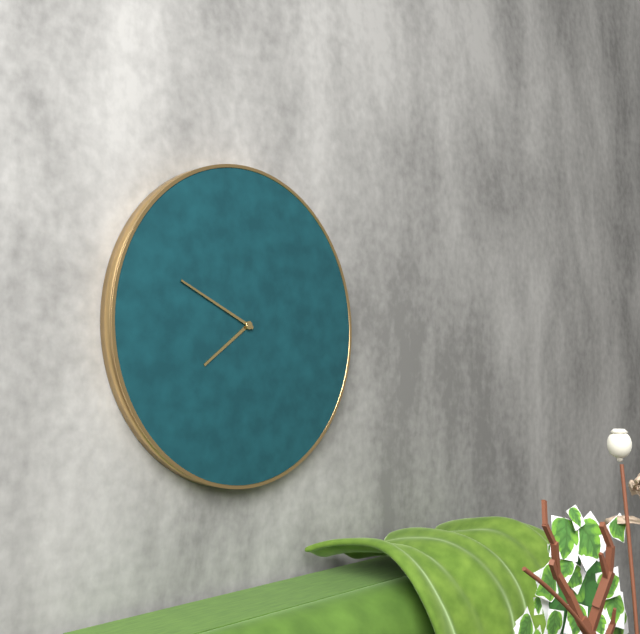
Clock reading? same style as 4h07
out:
7h49
